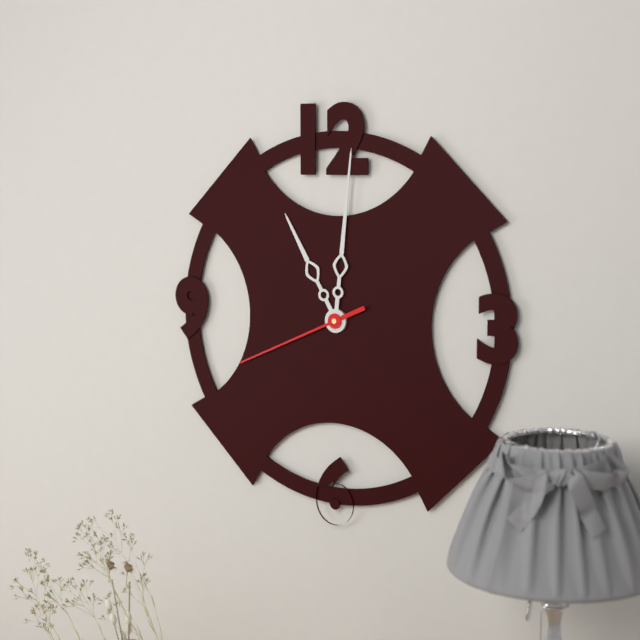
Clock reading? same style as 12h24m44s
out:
11h01m41s
